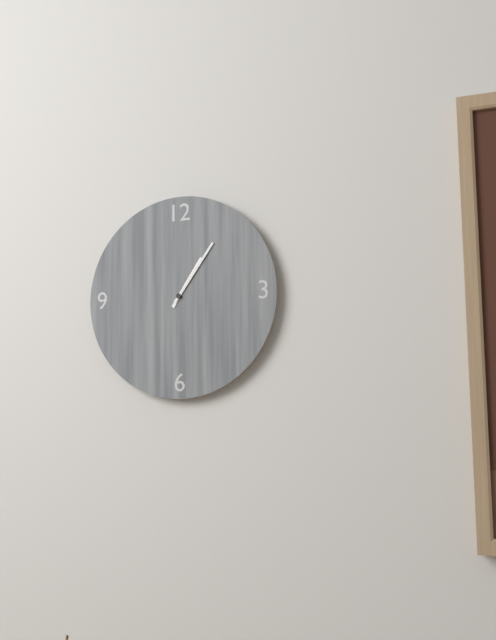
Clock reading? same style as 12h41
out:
1h06
